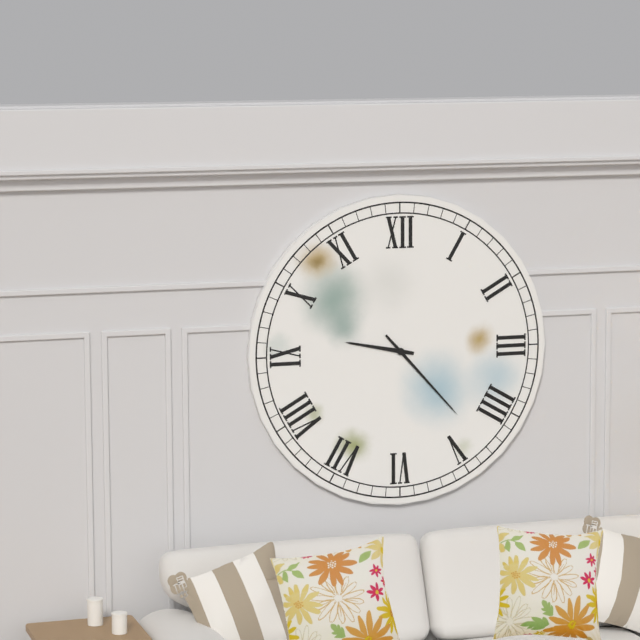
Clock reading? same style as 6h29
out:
9h23
